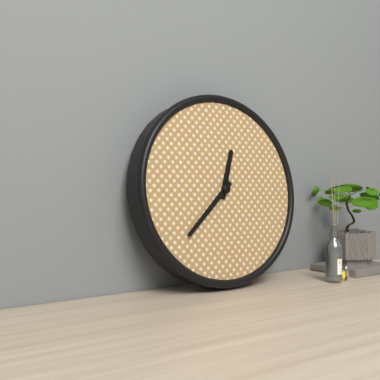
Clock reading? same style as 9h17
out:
12h38
